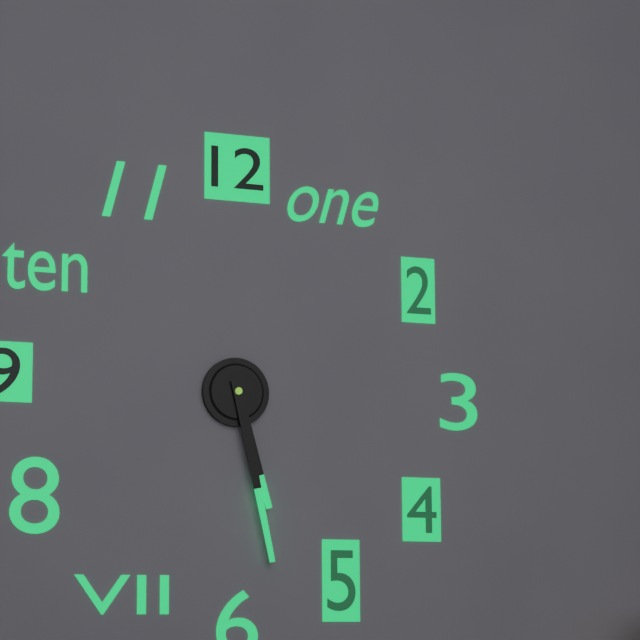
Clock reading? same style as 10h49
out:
5h28
